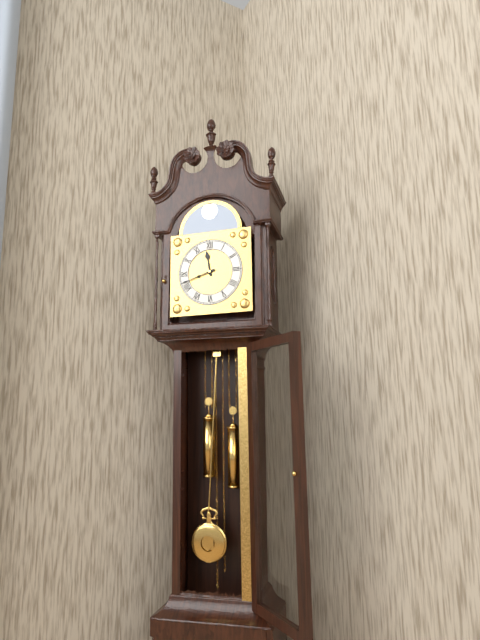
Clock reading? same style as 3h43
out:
11h42
